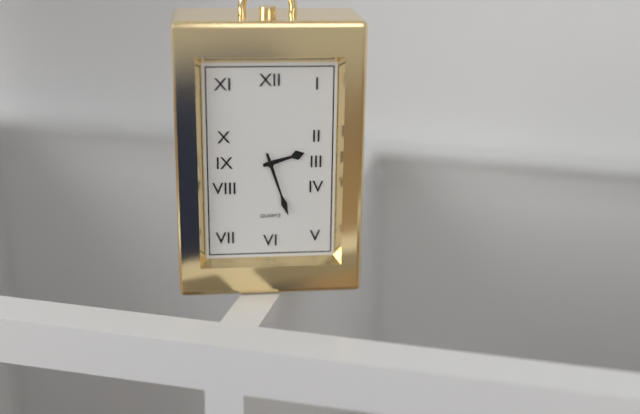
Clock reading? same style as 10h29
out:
2h27
